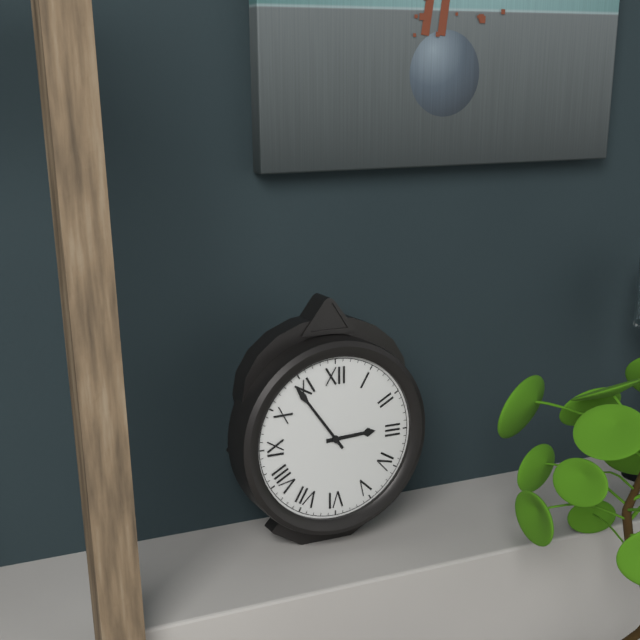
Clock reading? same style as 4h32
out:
2h54
